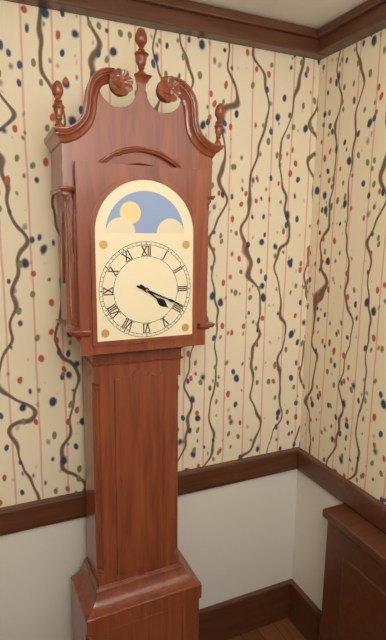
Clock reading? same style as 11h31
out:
4h19
